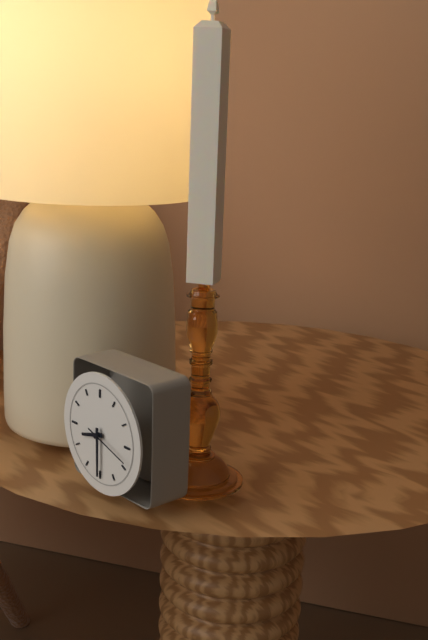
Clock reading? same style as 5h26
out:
8h30
